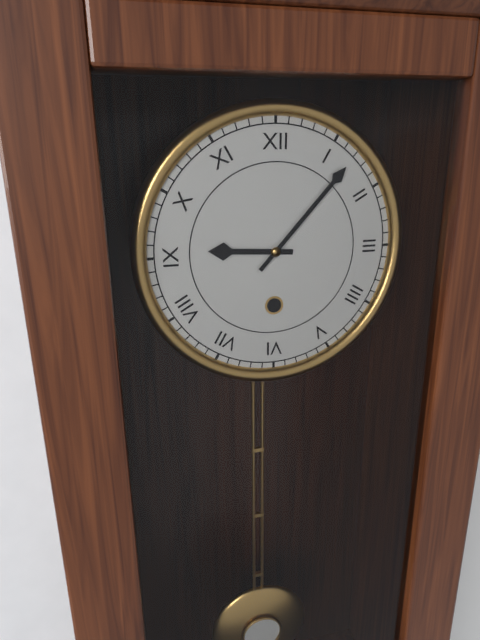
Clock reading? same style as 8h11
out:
9h07
